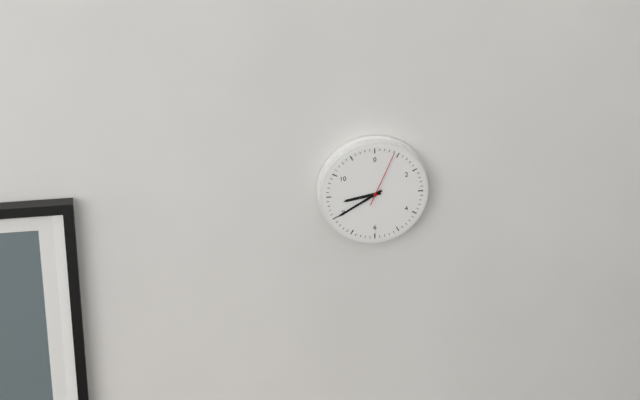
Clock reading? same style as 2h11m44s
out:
8h40m04s
